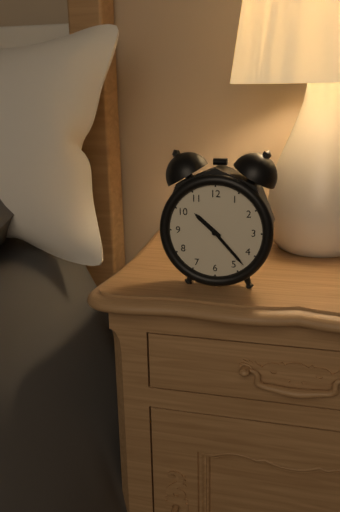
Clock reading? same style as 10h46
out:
10h23
